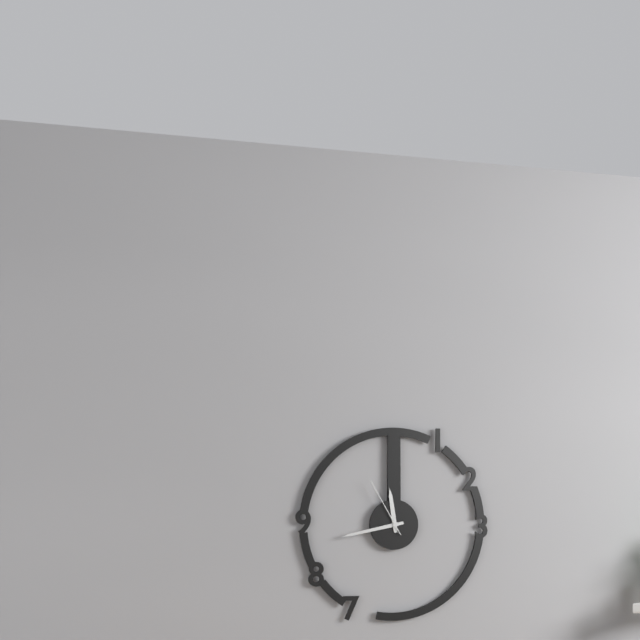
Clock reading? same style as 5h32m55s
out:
11h43m55s
